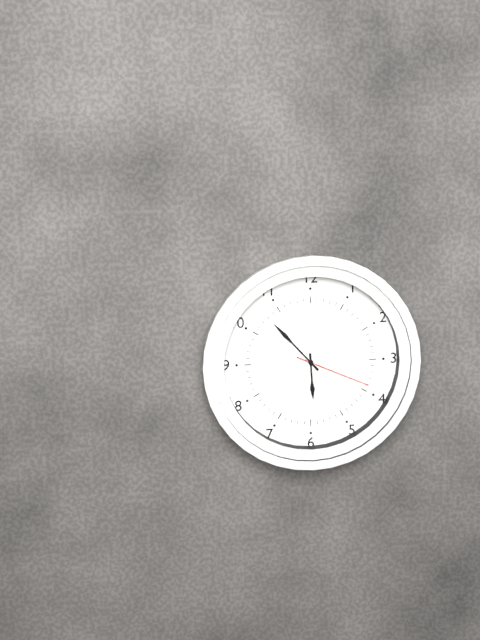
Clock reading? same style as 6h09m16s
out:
5h53m19s
